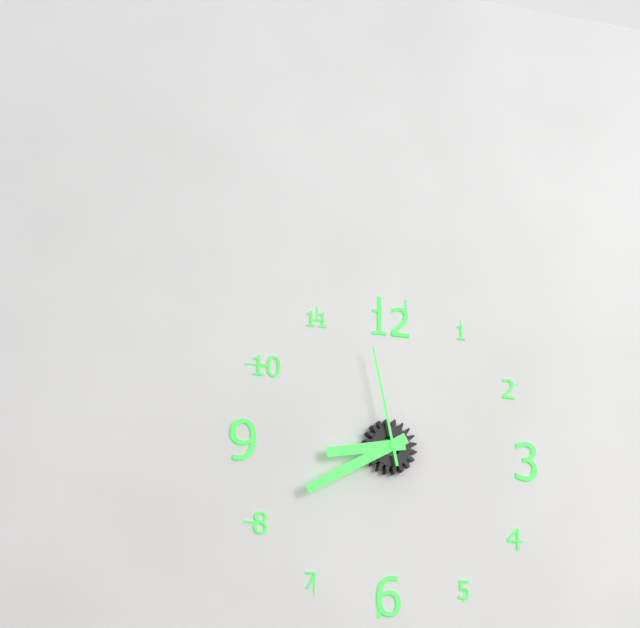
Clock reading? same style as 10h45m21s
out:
8h40m58s
